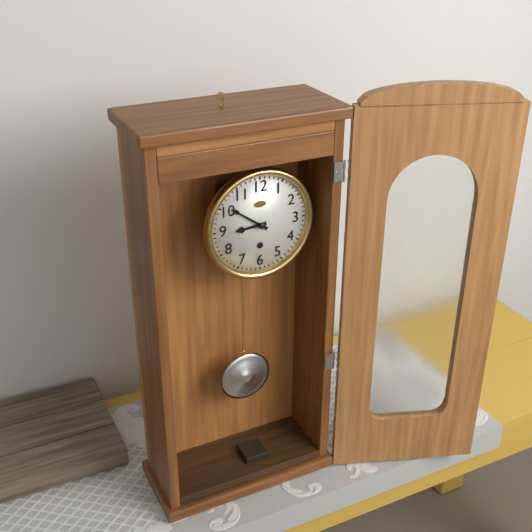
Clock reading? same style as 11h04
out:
8h51
